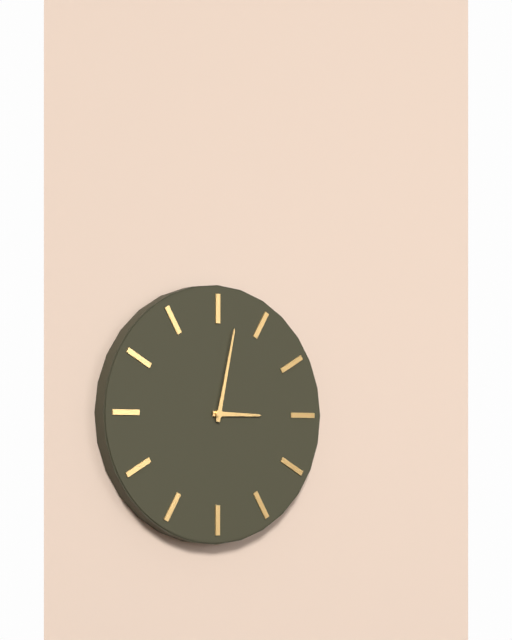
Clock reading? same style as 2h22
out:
3h02
